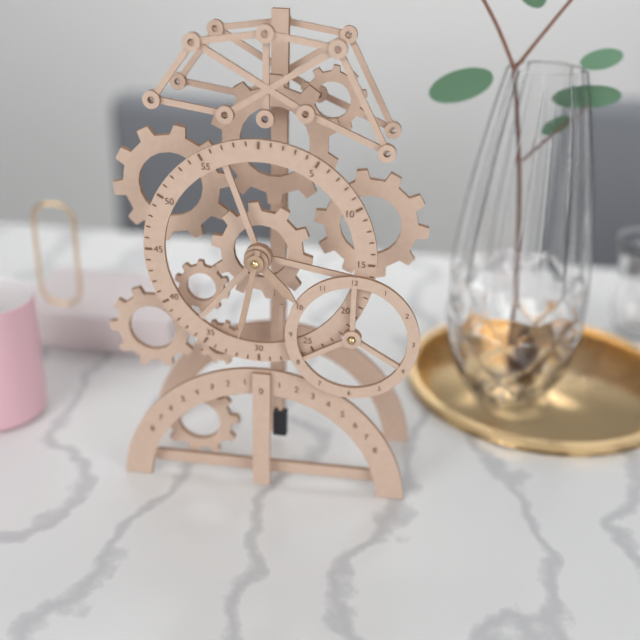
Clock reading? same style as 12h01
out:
4h32
